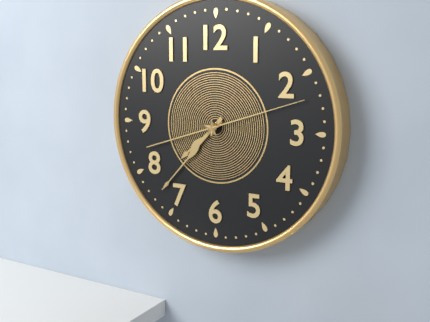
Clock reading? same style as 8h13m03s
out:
7h37m12s
